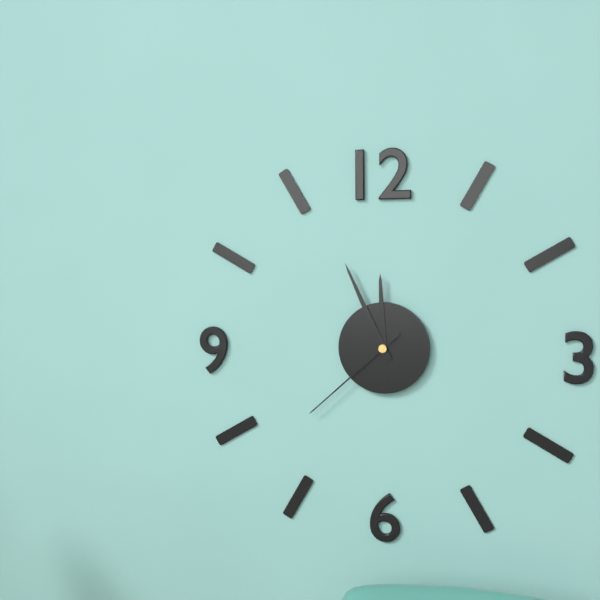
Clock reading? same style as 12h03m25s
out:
11h56m38s
